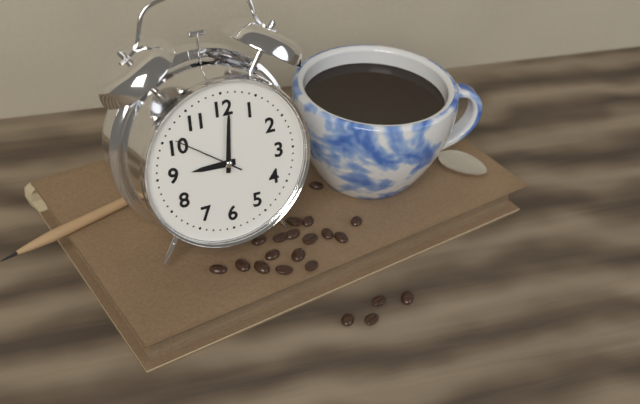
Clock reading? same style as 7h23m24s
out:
9h01m51s
